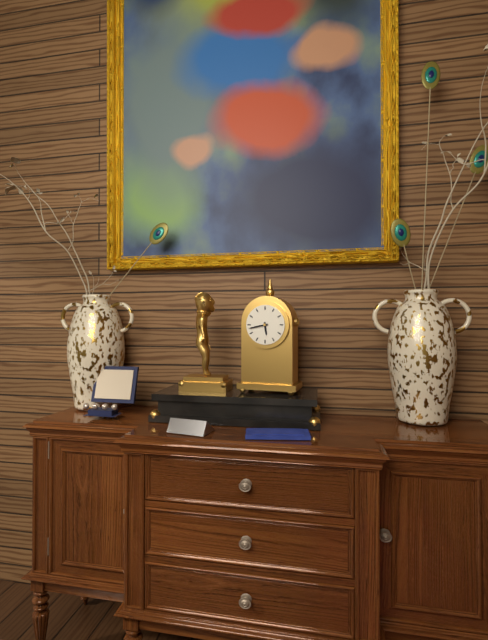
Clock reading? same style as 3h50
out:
5h43
